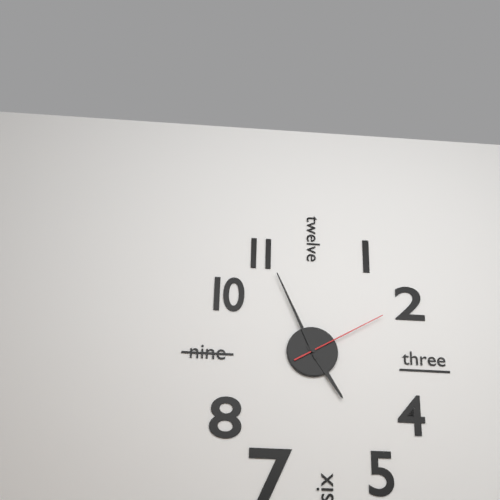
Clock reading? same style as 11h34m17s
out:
4h56m10s
